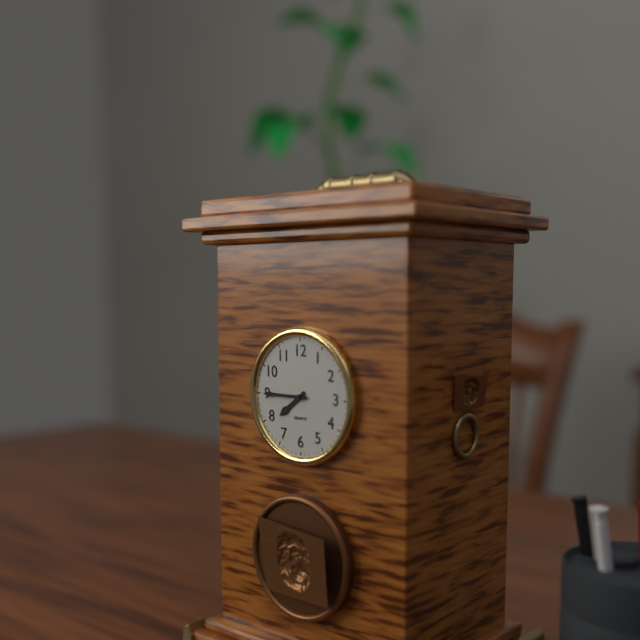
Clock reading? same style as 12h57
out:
7h45
